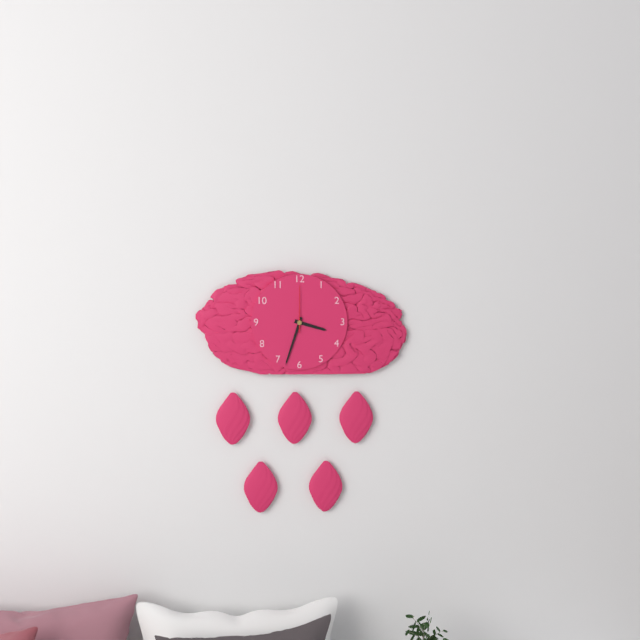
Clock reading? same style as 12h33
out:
3h33
